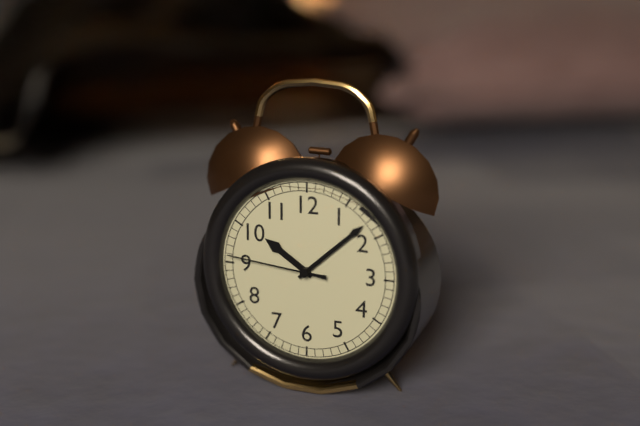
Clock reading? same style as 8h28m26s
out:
10h08m46s
